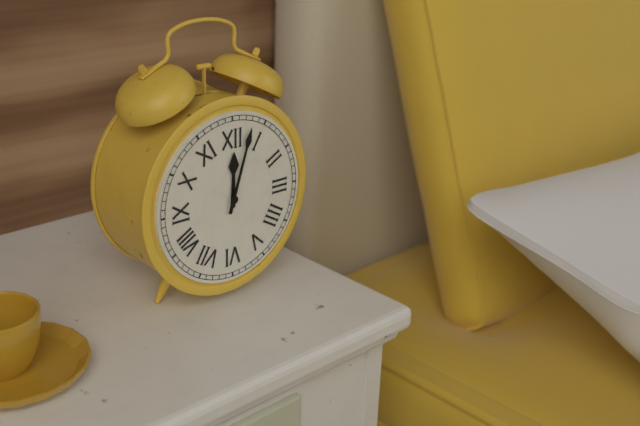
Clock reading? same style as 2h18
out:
12h03
